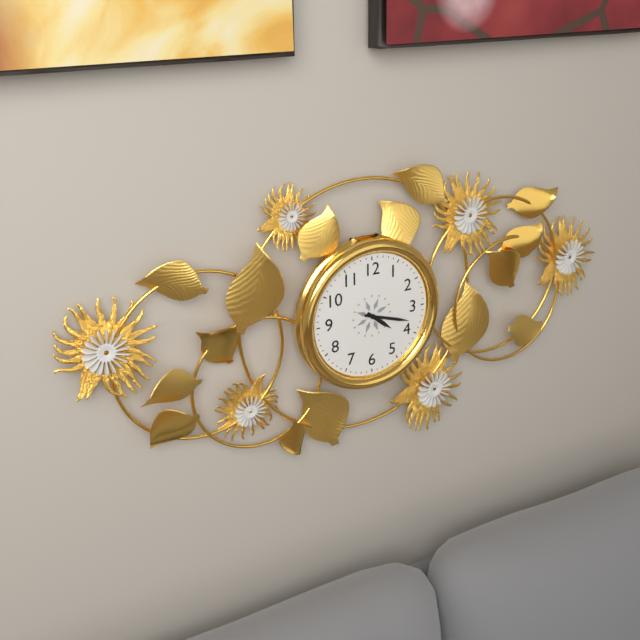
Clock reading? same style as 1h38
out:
4h18
